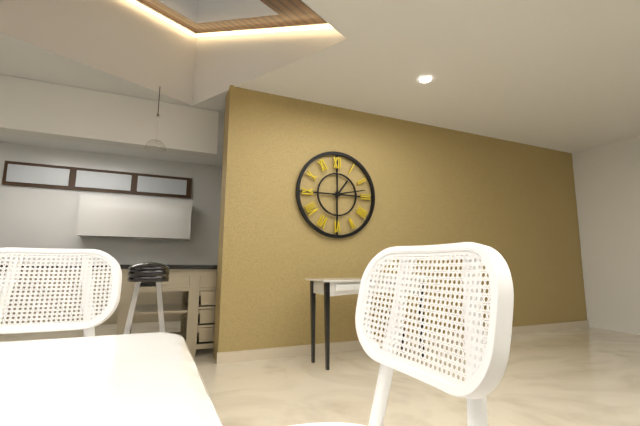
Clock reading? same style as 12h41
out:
1h13
